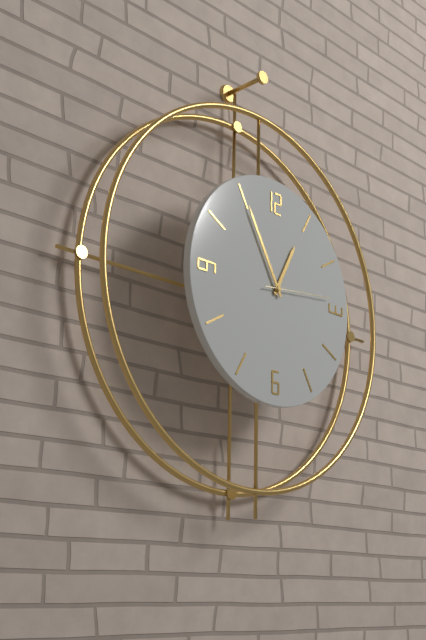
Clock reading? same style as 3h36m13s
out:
12h55m14s
